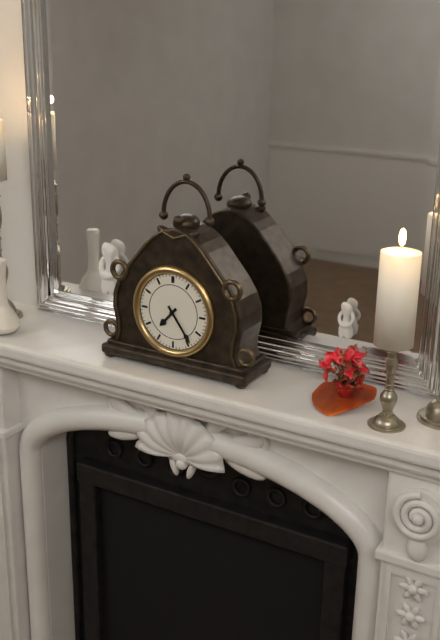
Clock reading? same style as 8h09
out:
7h24
